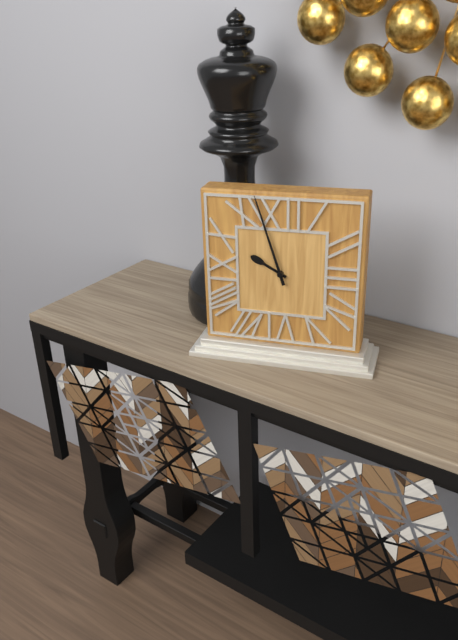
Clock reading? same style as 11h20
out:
9h57
